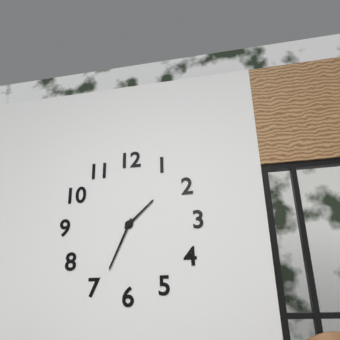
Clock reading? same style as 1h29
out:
1h34
